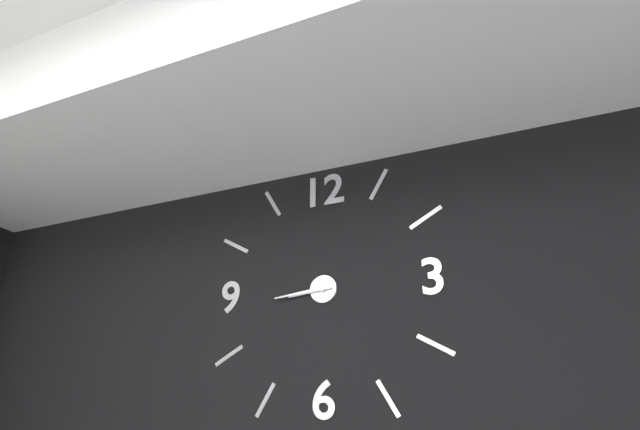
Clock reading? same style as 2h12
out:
8h44
